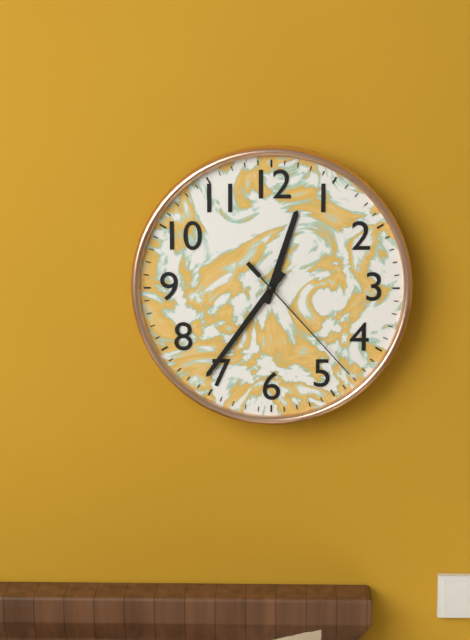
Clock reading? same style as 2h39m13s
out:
12h36m23s
